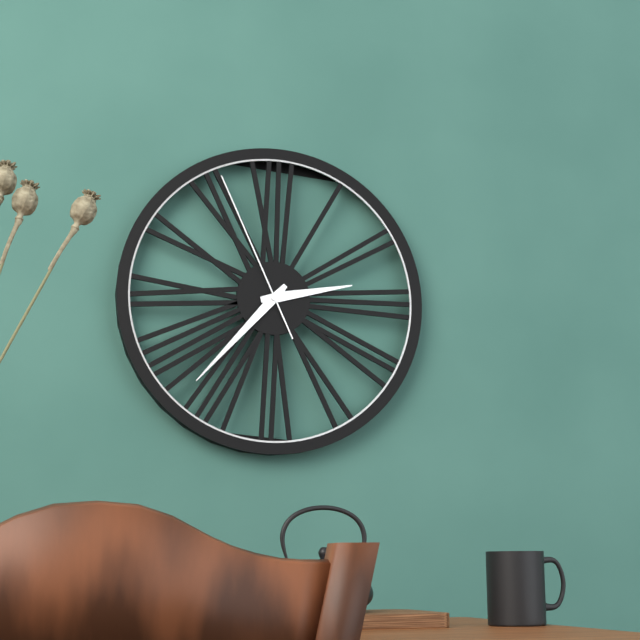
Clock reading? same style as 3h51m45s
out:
2h37m56s
